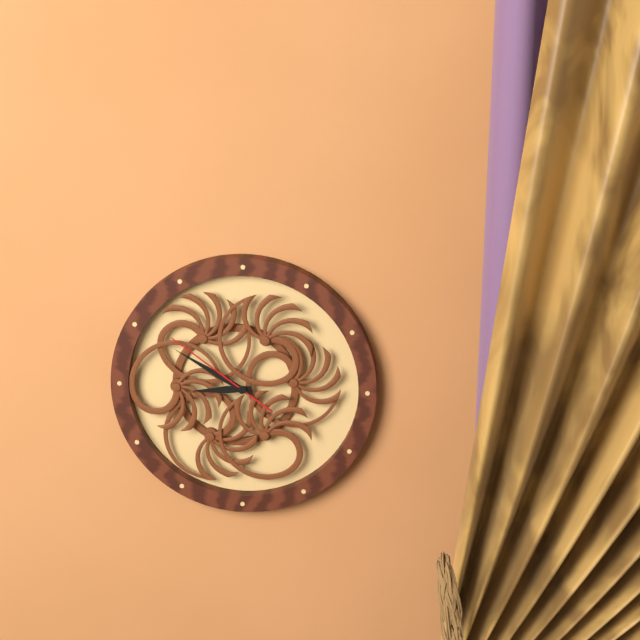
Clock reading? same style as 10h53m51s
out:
8h50m51s
